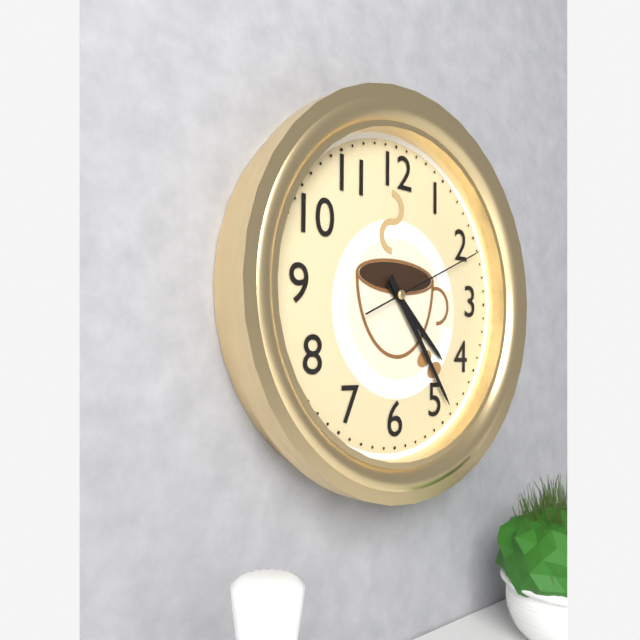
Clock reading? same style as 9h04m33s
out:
4h24m11s
